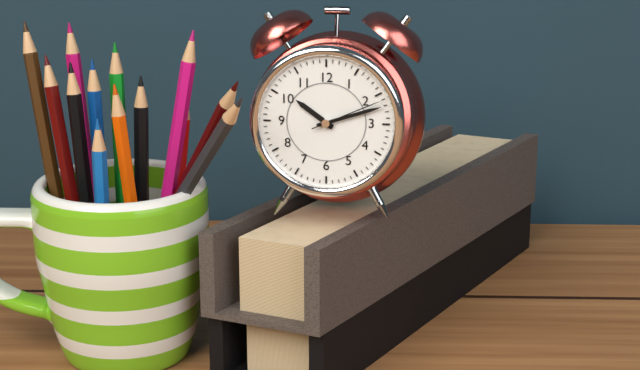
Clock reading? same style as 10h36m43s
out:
10h12m11s
